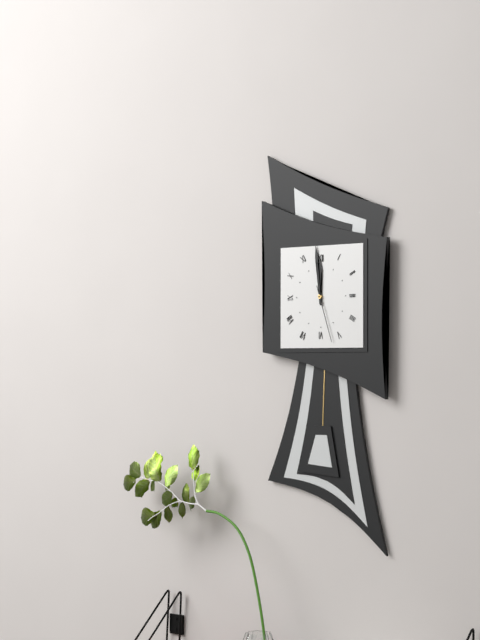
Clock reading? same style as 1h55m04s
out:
11h59m27s
